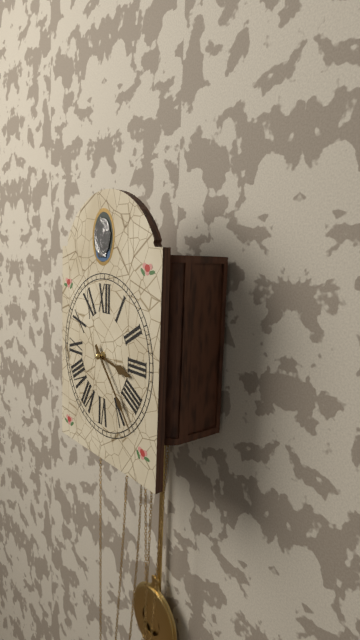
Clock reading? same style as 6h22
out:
3h23
